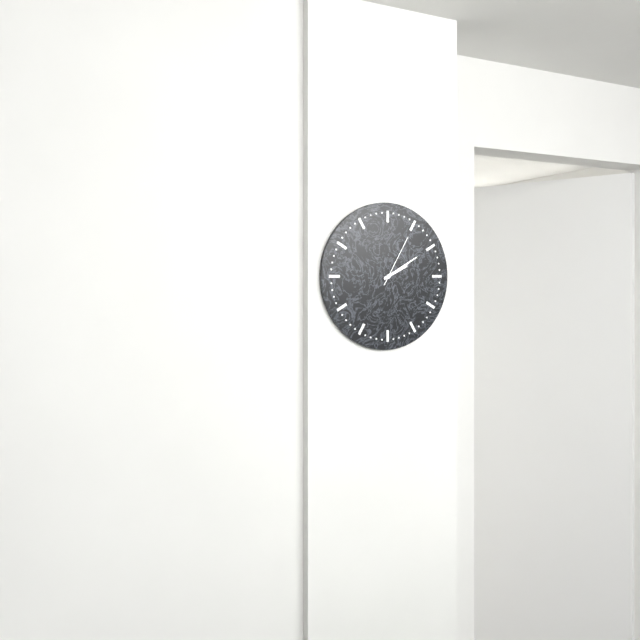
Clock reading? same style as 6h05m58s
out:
2h10m05s
